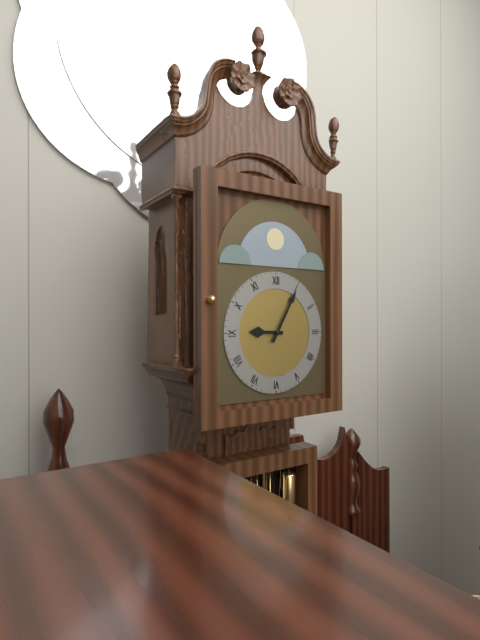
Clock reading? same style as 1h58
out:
9h05
